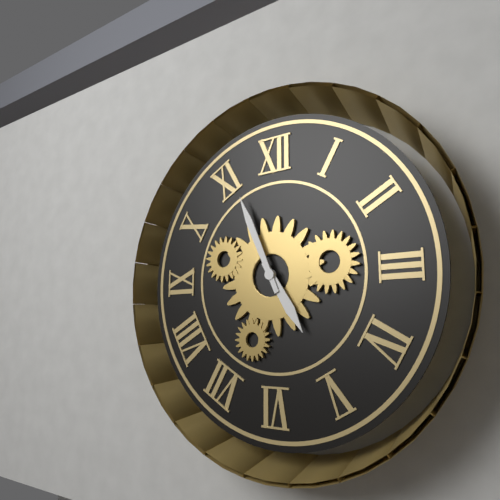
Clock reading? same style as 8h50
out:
4h56
